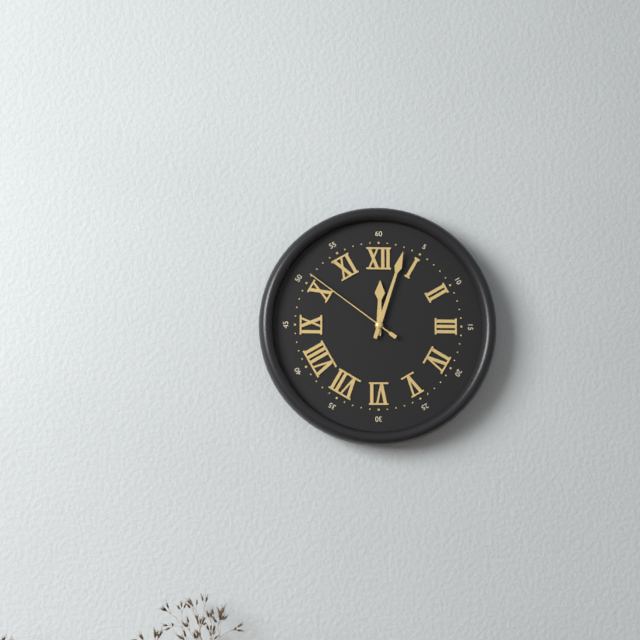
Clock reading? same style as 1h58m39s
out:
12h03m51s
